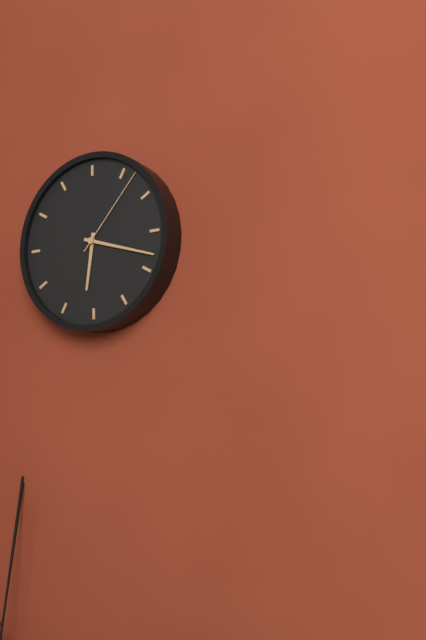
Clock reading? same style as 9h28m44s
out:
6h18m07s
